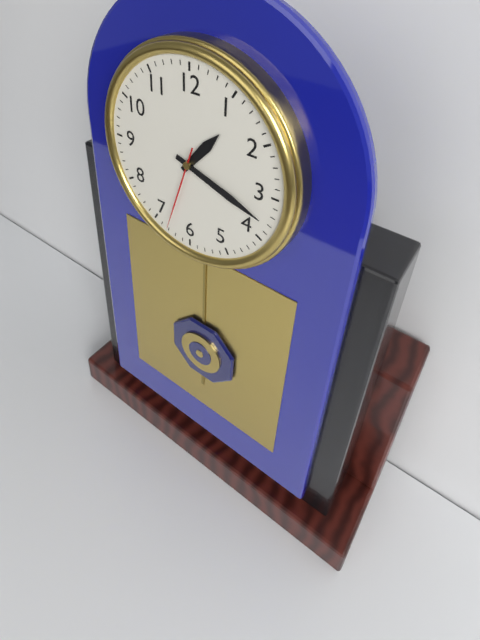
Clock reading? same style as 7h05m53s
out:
1h18m33s
